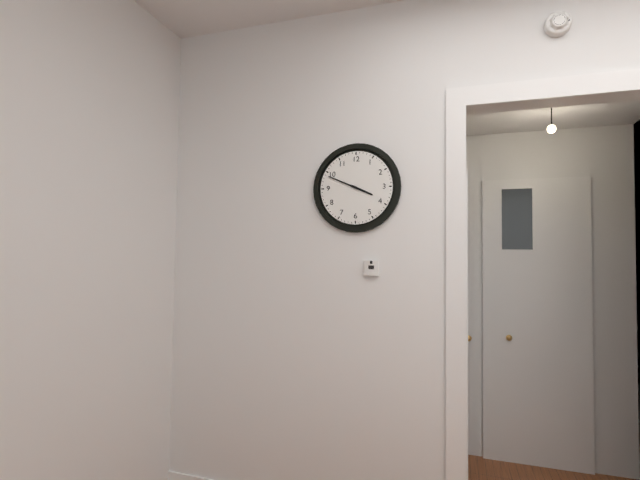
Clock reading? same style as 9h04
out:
3h49
